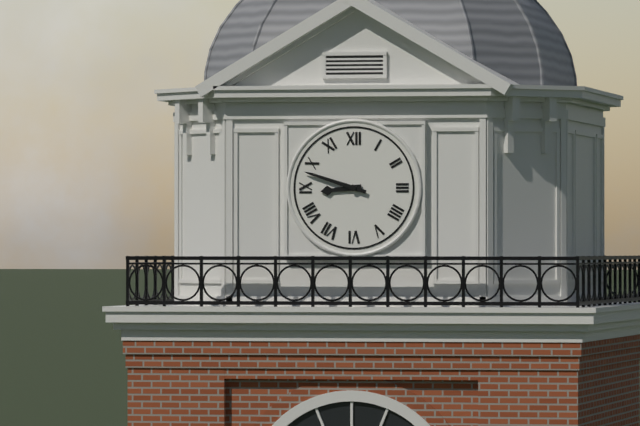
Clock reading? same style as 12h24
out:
8h48
